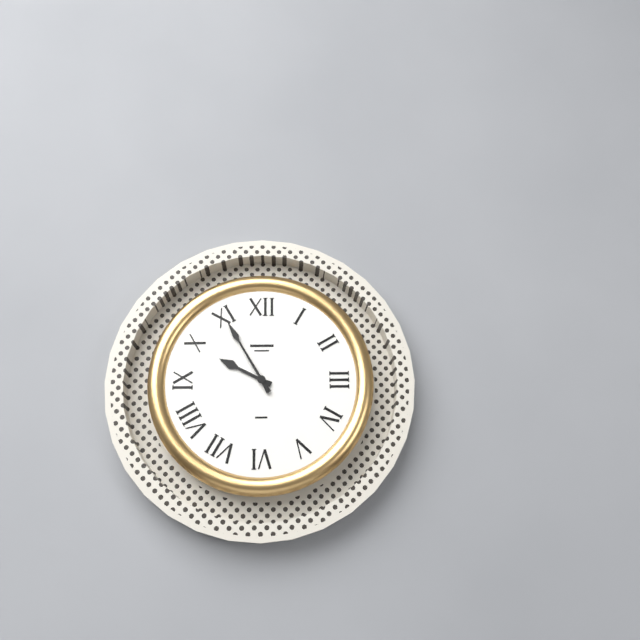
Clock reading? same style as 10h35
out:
9h55
